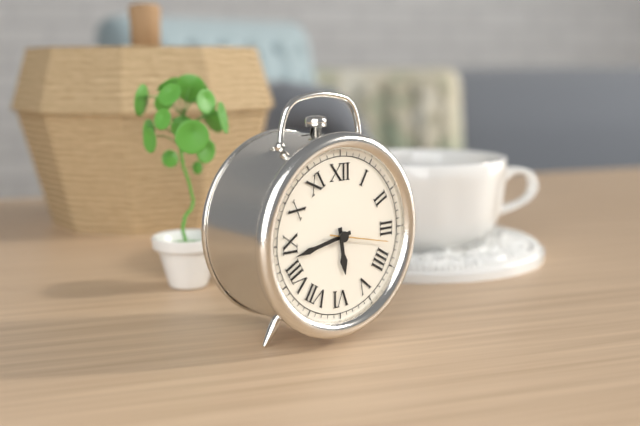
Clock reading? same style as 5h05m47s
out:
5h43m17s
